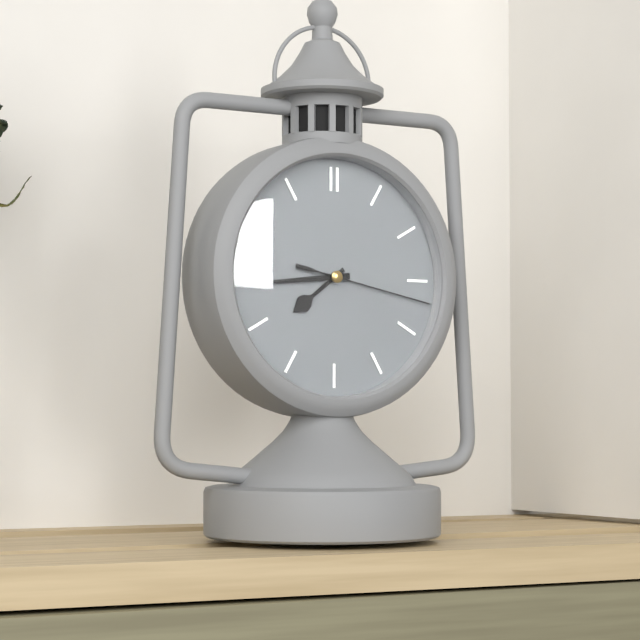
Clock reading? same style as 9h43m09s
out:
7h44m17s
